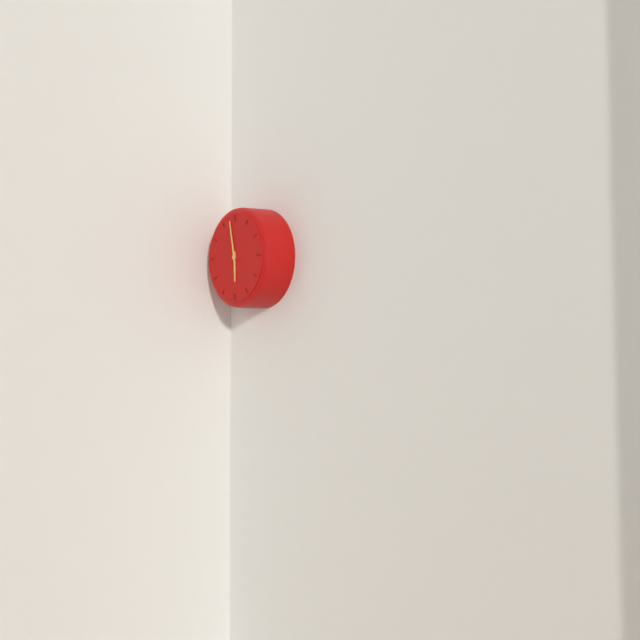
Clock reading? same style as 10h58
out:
5h58
